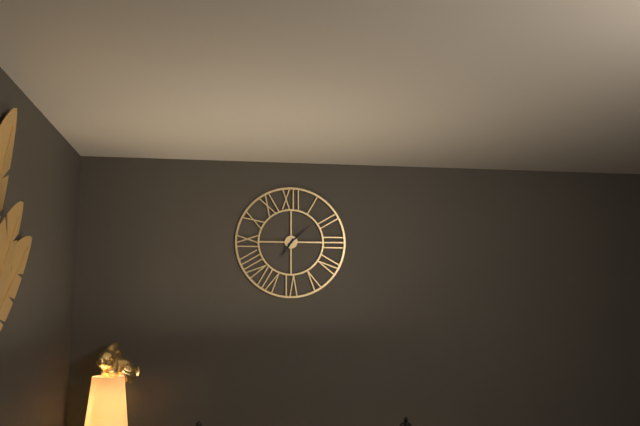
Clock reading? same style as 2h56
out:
7h08
